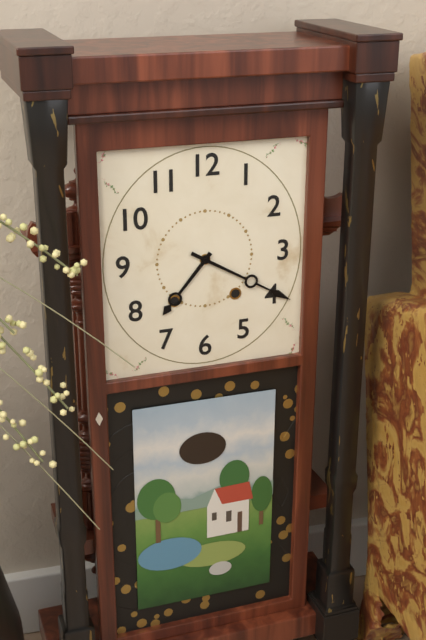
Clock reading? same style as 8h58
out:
7h20
